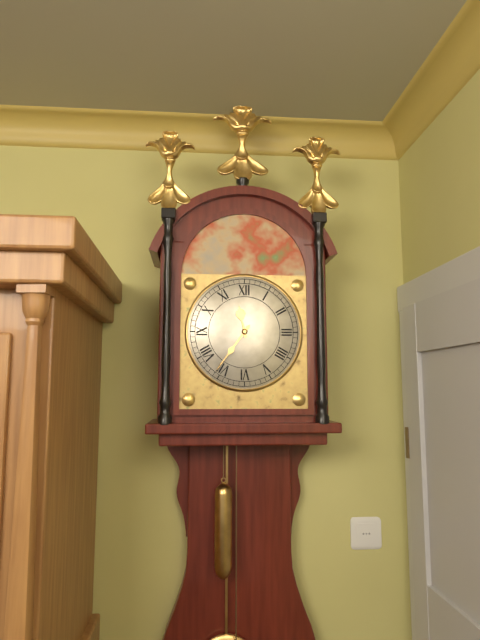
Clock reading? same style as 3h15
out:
11h36
